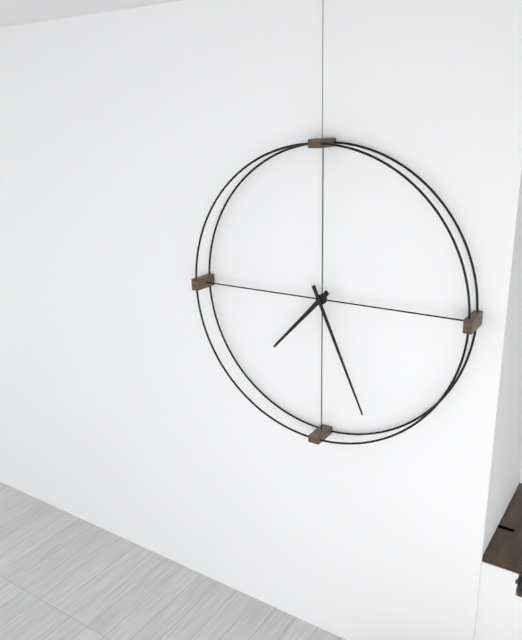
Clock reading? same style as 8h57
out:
7h26
